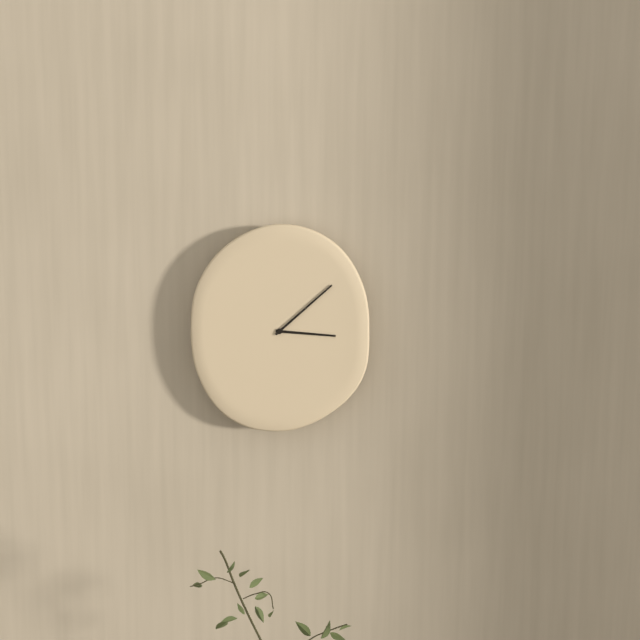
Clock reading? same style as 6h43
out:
3h08
